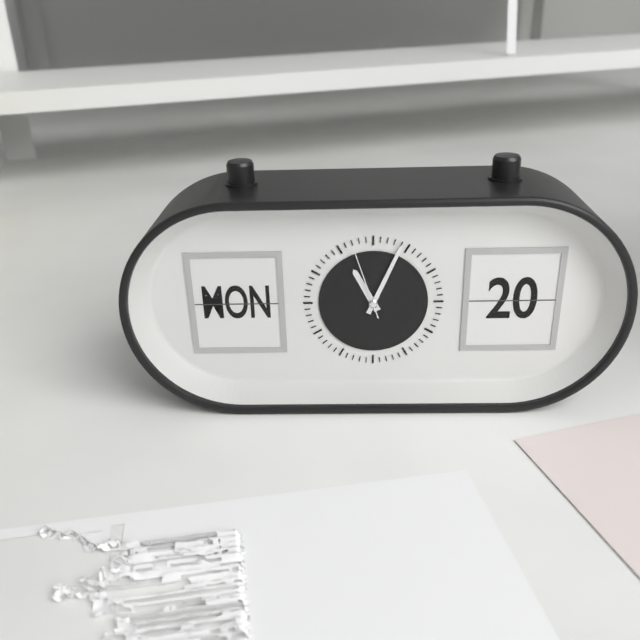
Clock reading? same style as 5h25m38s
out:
11h04m57s
